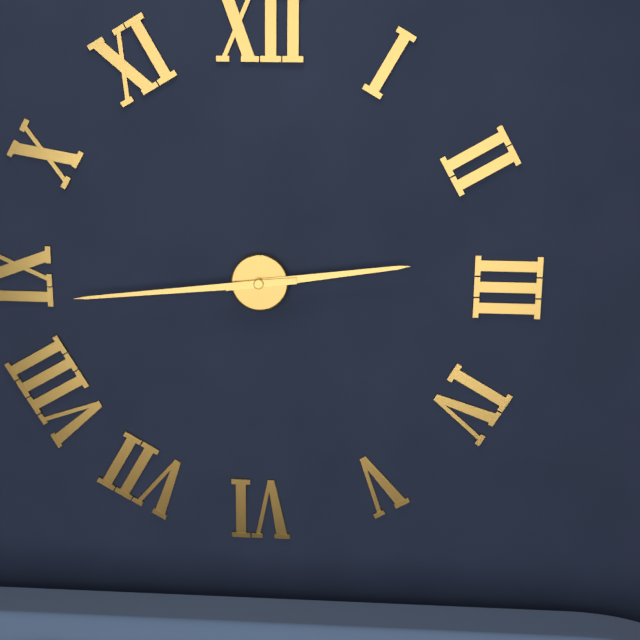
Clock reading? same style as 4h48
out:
2h44
